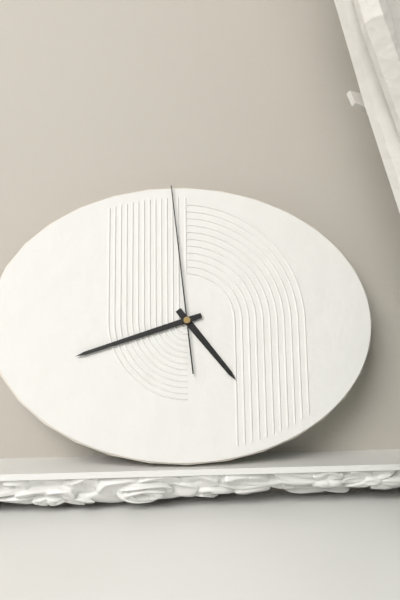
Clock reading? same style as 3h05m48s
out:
4h42m59s
